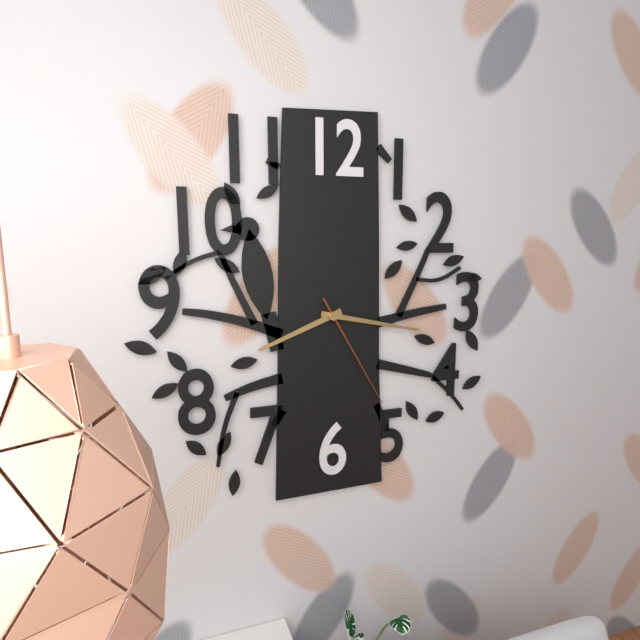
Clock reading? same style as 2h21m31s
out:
8h17m25s
